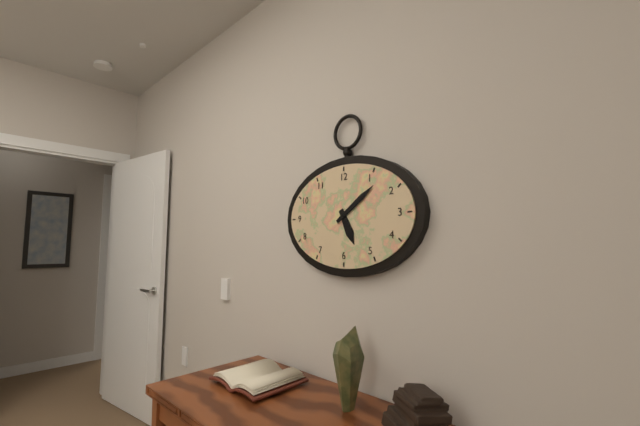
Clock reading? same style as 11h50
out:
5h09
